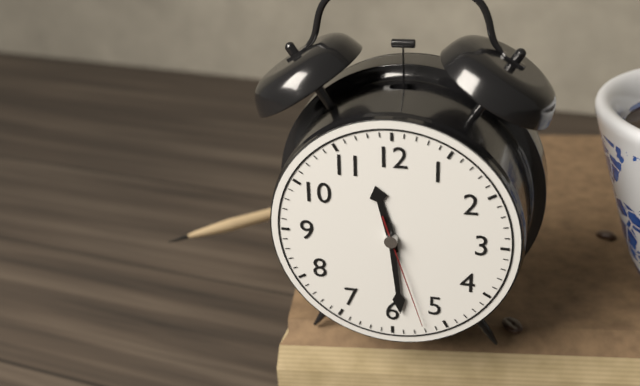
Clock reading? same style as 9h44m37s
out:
11h29m27s
